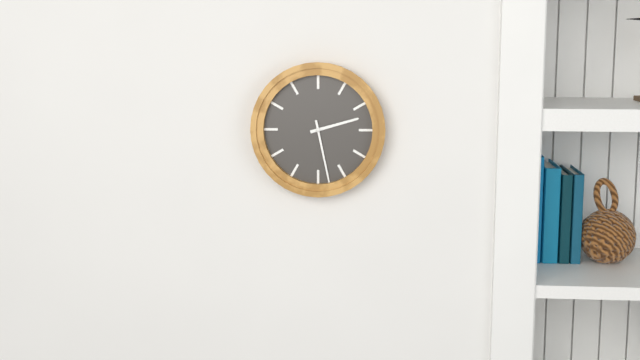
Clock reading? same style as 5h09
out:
2h28
